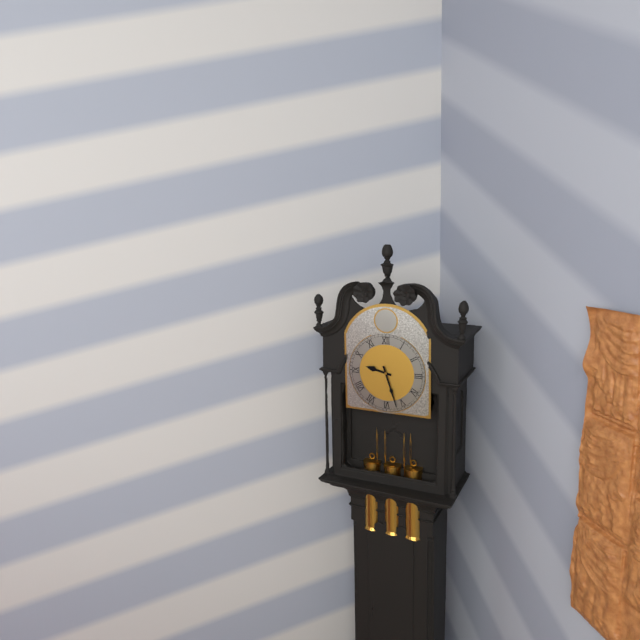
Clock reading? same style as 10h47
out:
9h27
